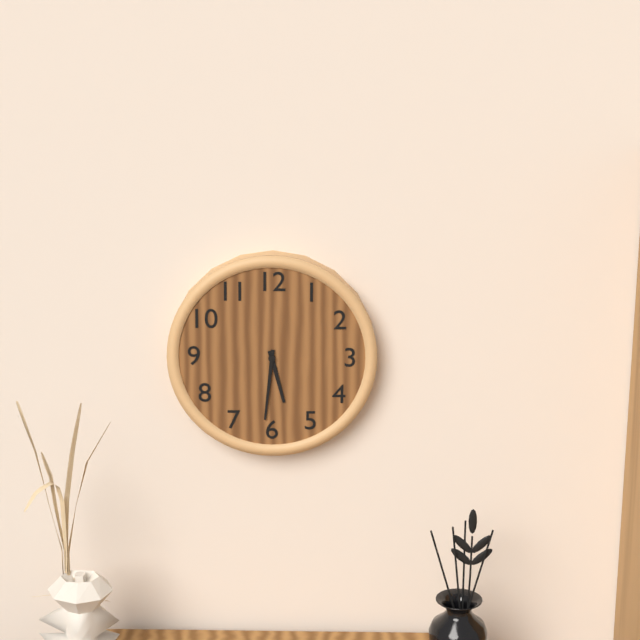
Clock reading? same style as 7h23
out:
5h31
